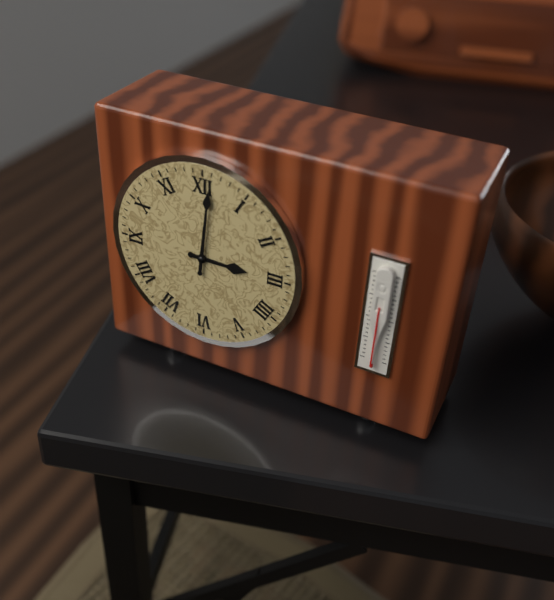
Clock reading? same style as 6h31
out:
3h01
